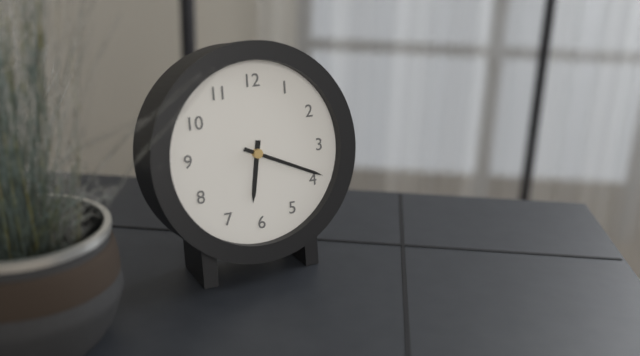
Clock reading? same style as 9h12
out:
6h19
